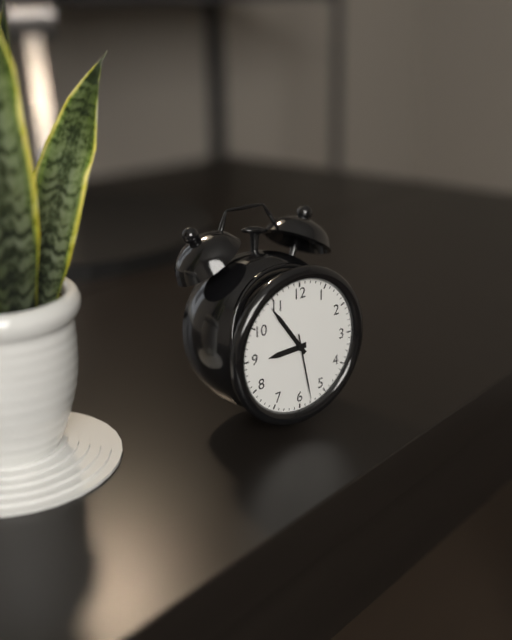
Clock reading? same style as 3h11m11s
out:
8h54m28s
